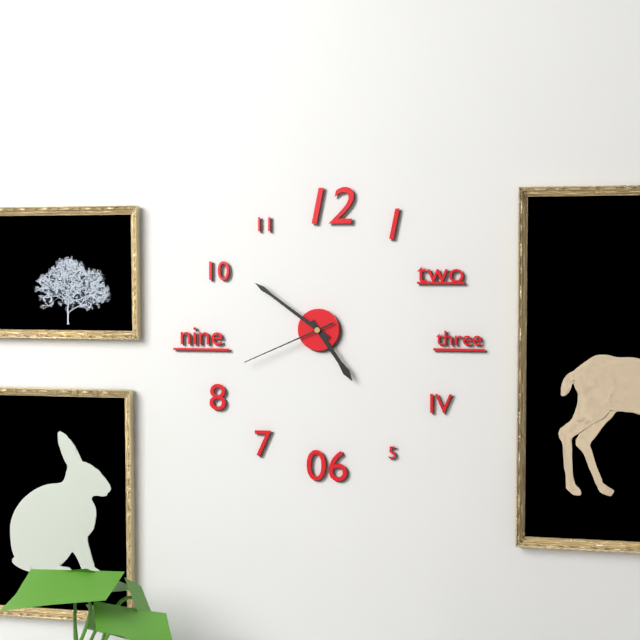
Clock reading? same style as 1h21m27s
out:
4h51m41s
